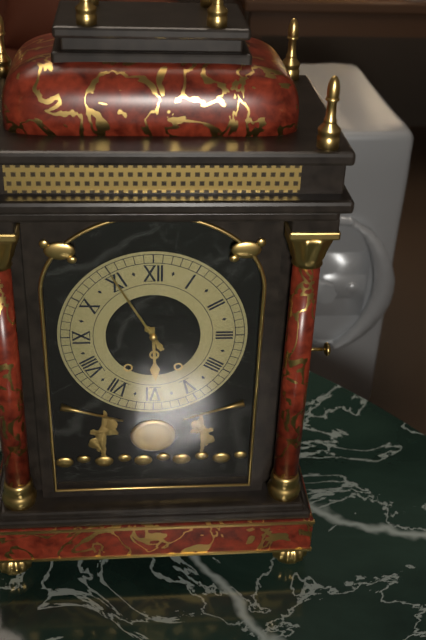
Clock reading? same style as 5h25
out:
5h55
